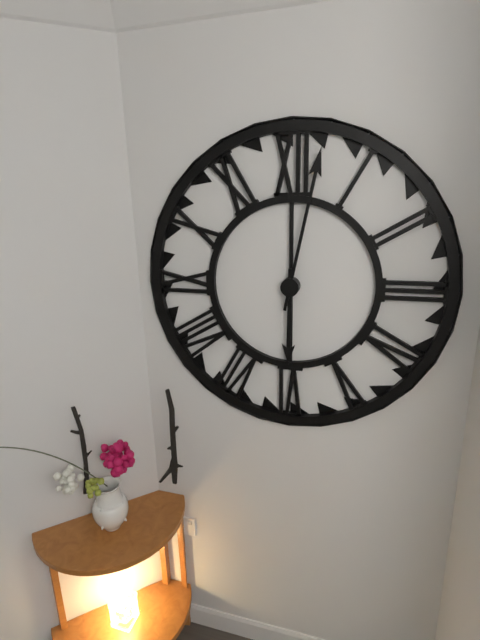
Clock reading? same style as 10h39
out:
6h02
